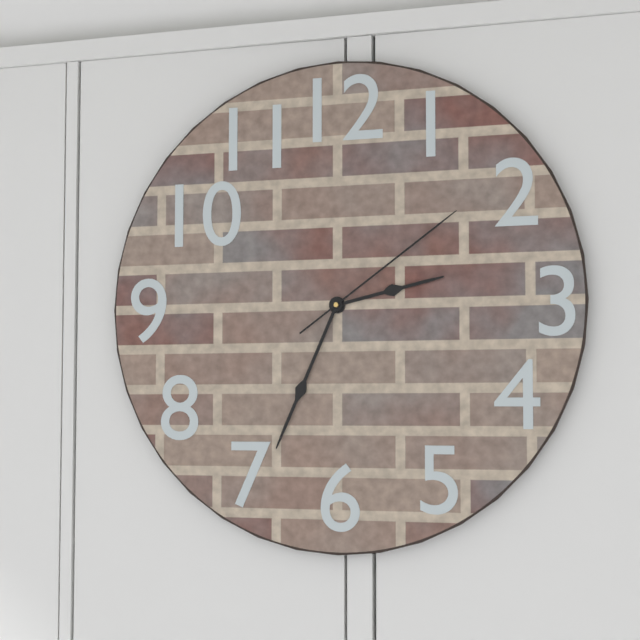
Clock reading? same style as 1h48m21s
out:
2h34m09s
